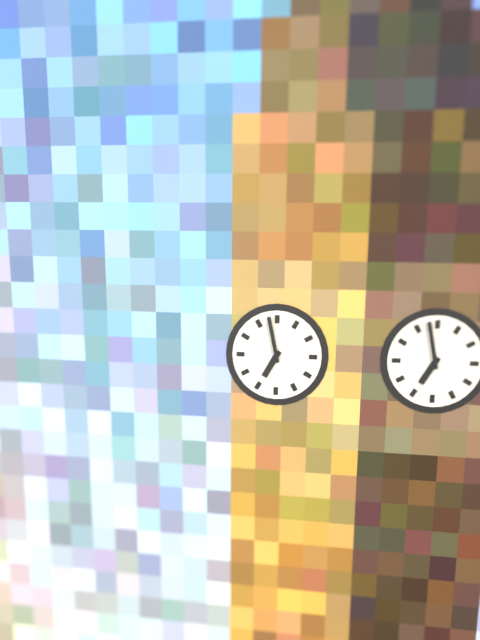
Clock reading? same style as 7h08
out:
6h58
